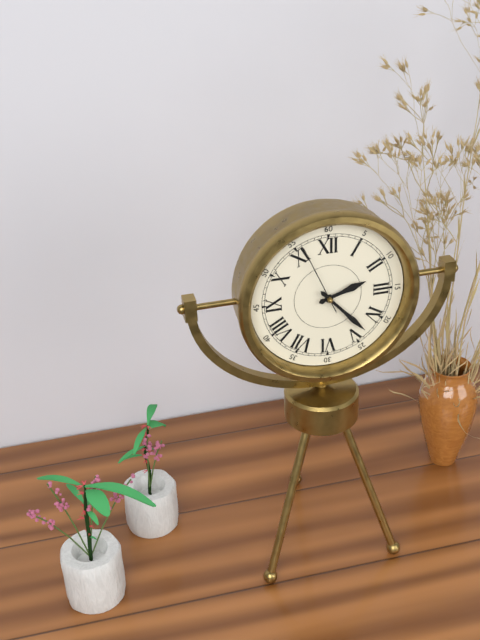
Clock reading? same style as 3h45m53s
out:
2h23m56s
